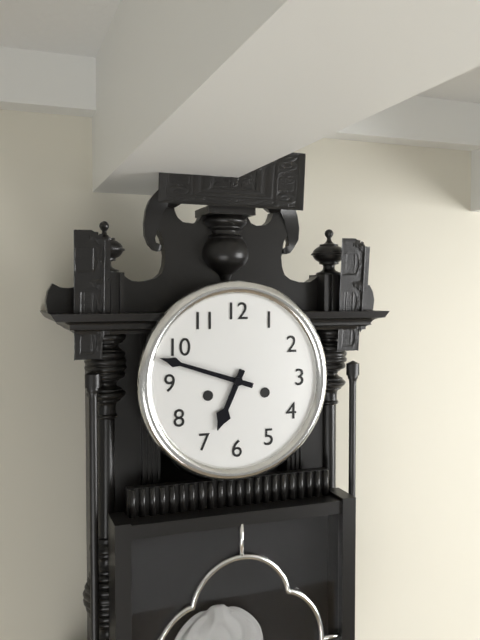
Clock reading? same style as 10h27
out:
6h48
